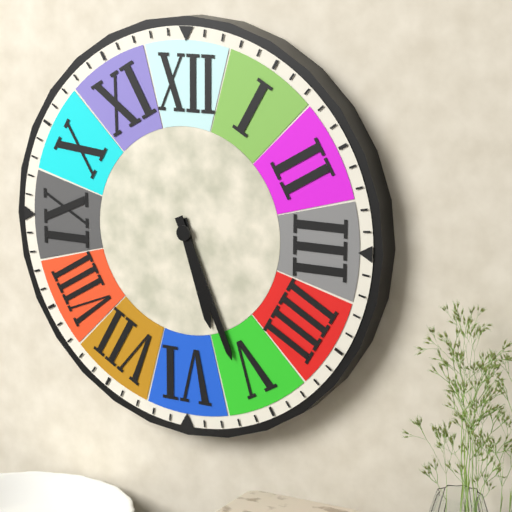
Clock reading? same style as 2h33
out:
5h26
